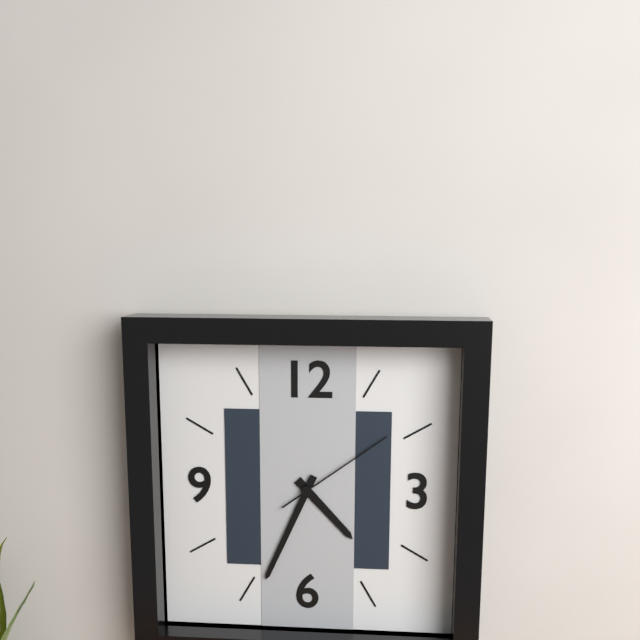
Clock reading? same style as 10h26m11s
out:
4h34m09s
